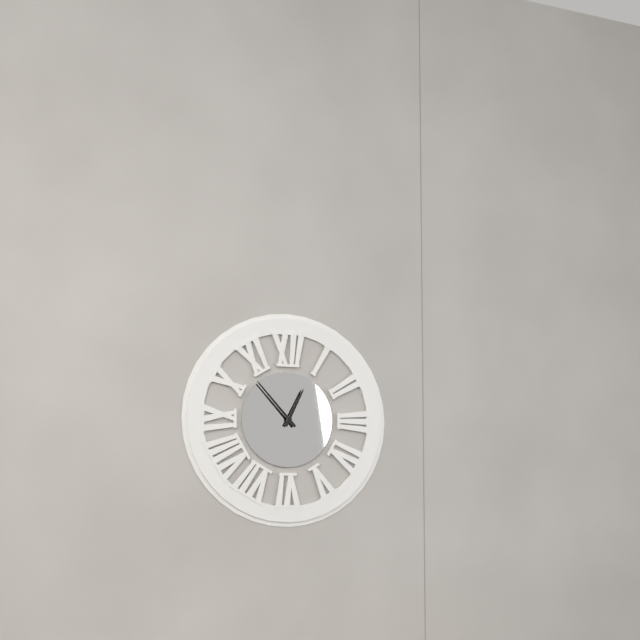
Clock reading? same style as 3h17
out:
12h53
